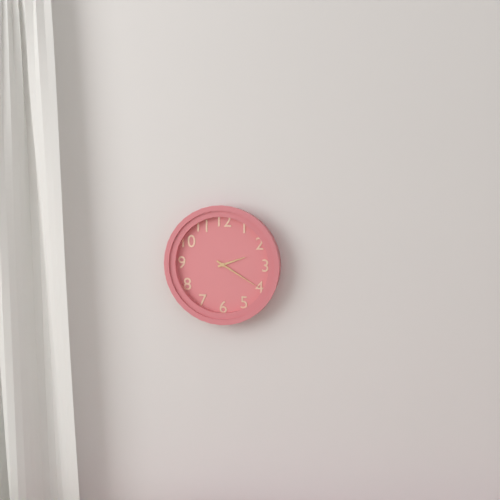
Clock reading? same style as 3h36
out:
2h20
